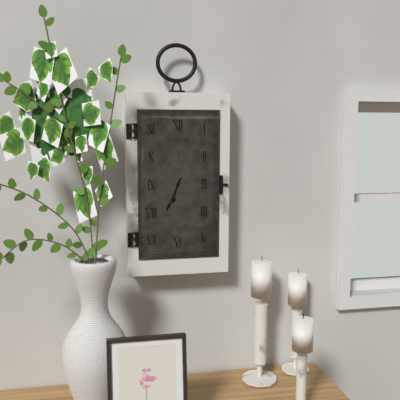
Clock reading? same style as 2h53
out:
6h34
